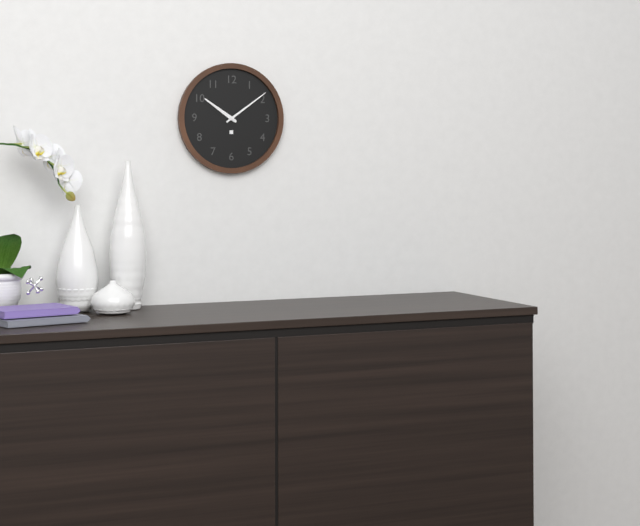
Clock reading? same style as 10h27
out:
10h09
